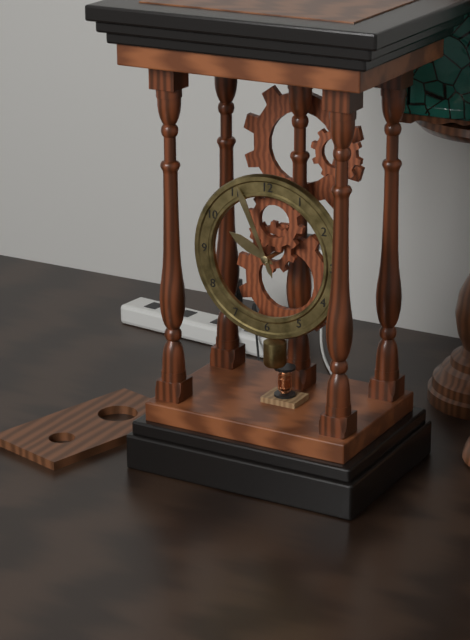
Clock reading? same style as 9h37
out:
9h56
